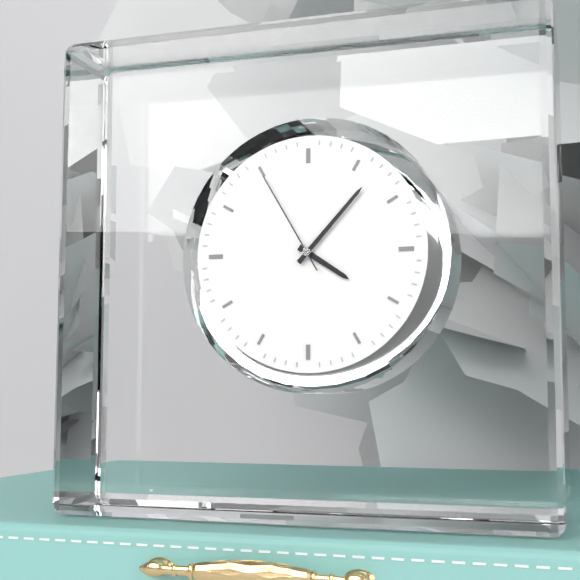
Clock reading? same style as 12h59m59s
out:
4h07m55s
